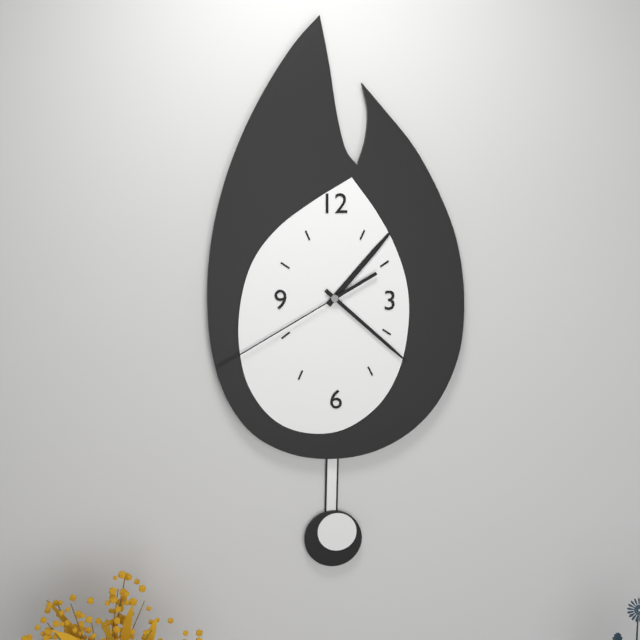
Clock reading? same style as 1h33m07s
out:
1h22m40s
